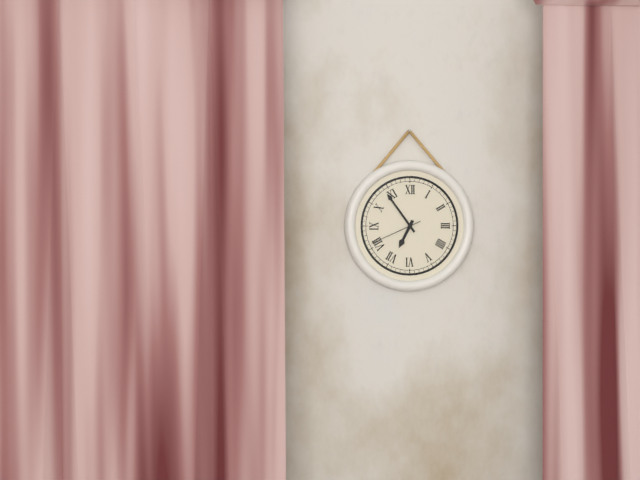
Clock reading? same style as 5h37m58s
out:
6h54m41s
